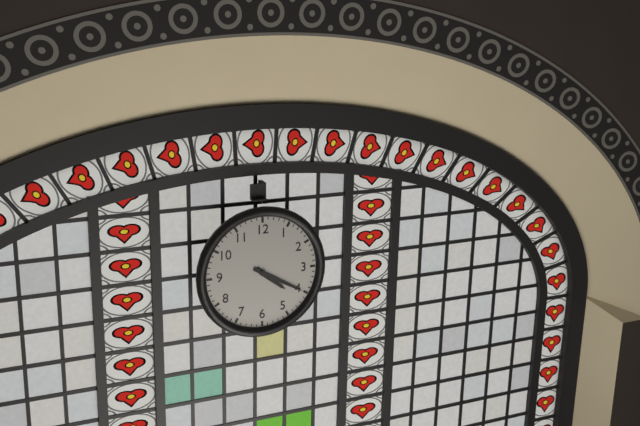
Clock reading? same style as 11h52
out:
4h20
